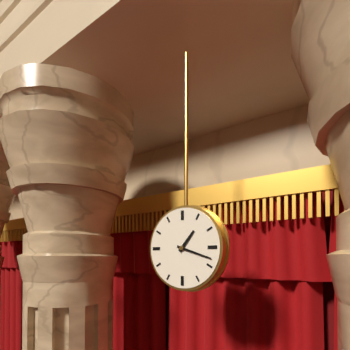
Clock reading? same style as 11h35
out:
1h18
